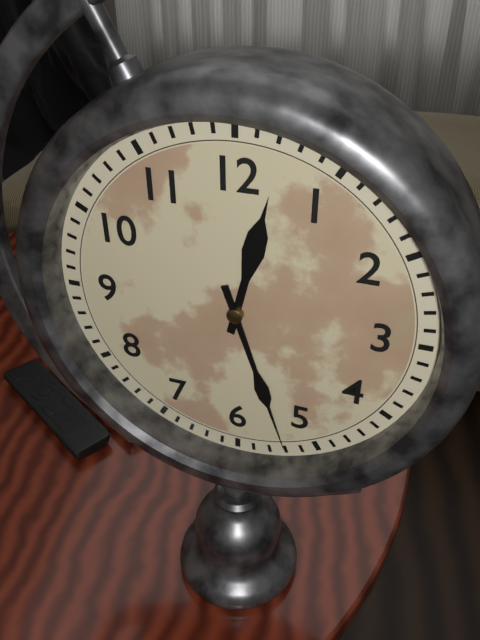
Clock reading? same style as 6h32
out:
12h27
